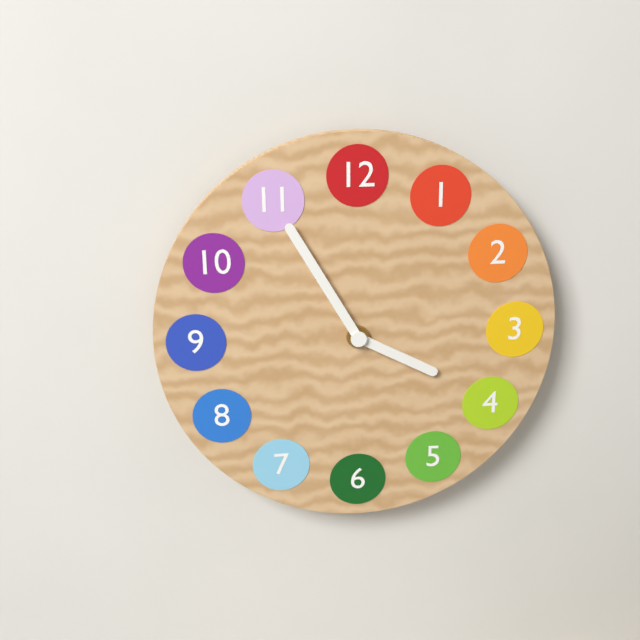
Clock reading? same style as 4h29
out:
3h55
